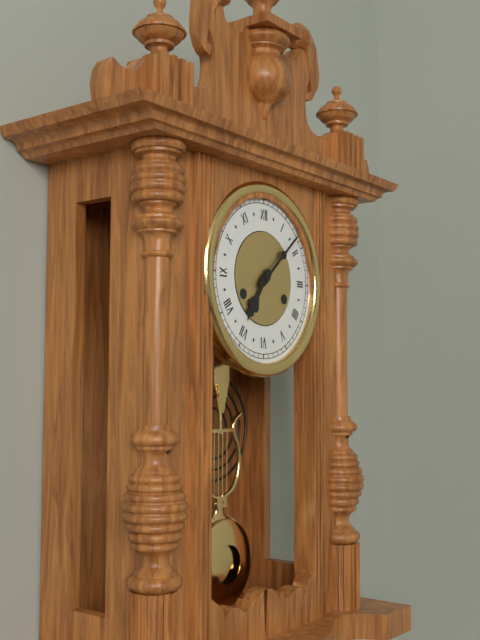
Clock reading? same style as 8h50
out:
7h08
